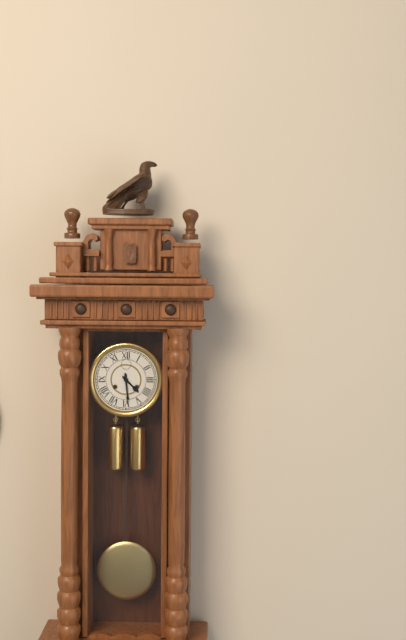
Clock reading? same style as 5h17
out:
4h29
